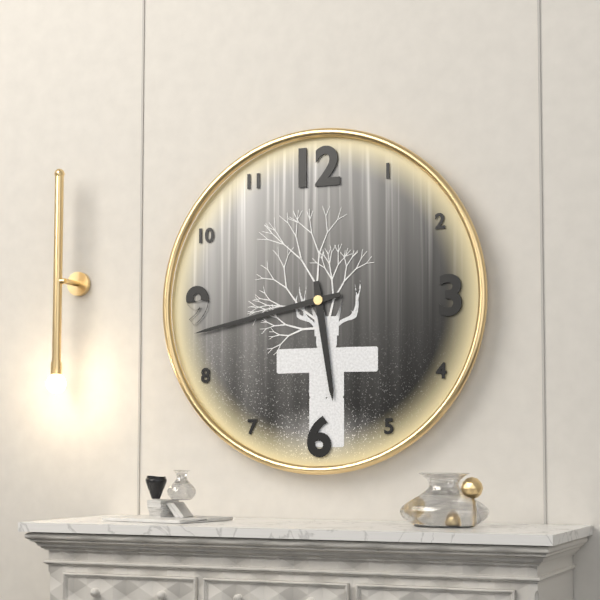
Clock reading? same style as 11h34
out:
5h43
